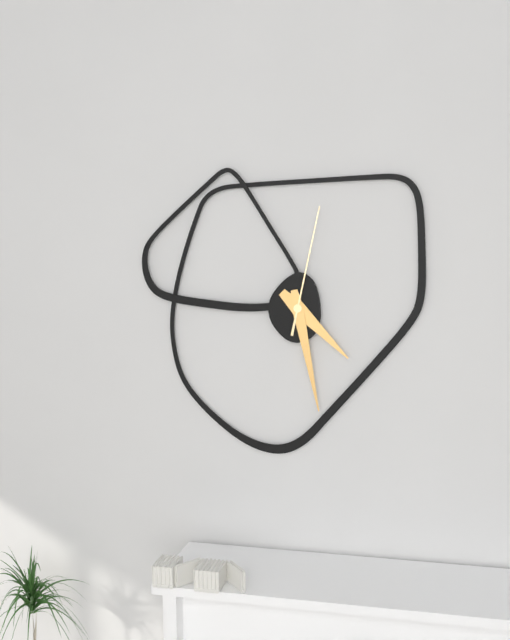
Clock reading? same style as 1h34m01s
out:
4h28m02s
